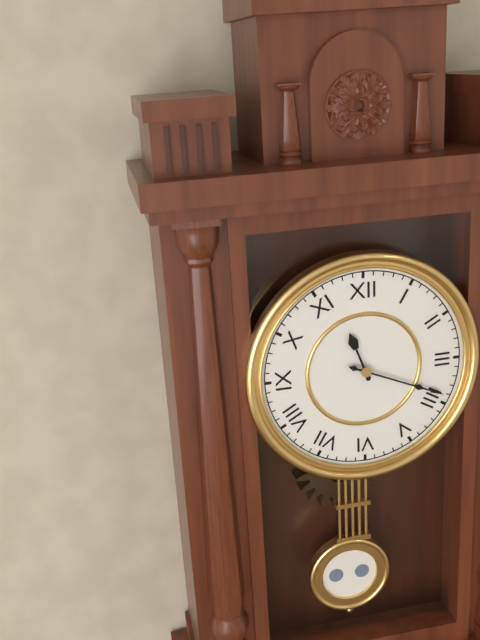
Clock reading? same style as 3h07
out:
11h19
